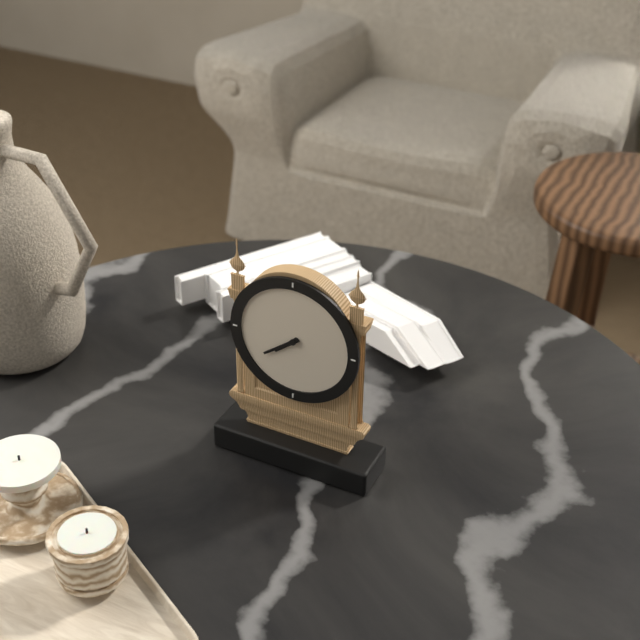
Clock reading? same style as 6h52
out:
7h39
